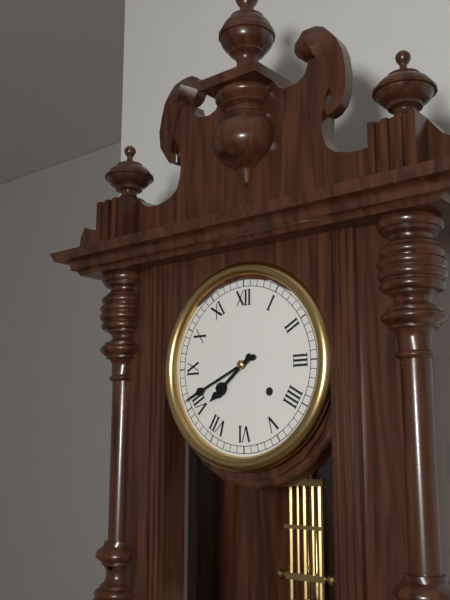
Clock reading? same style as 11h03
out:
7h41
